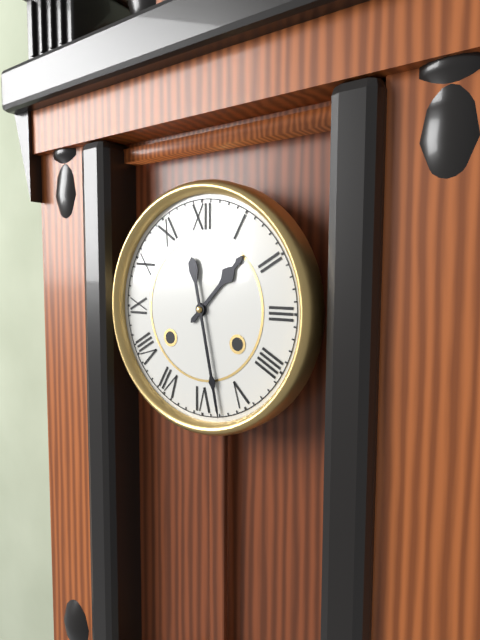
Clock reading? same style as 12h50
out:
1h28
